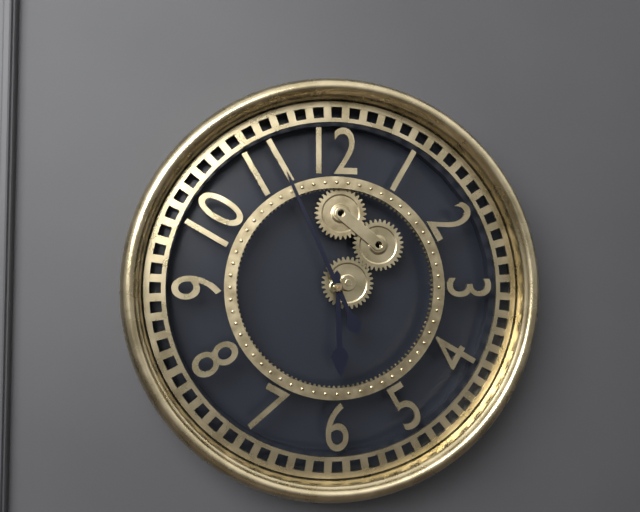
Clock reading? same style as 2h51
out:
5h56
